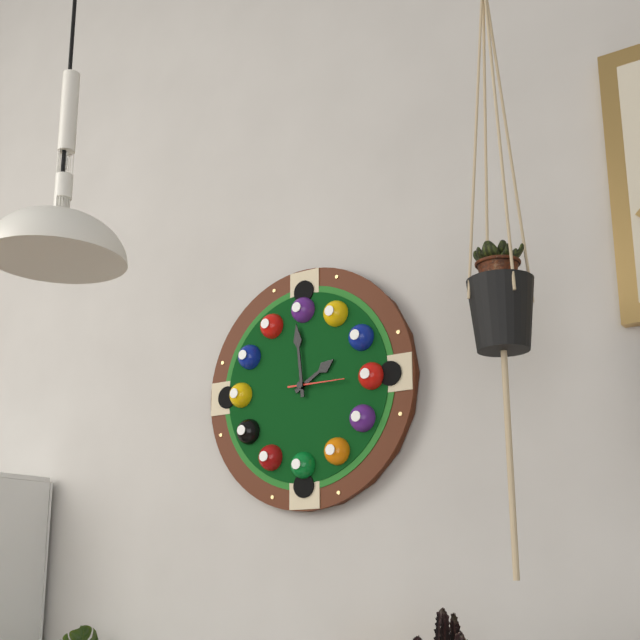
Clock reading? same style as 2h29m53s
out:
1h59m15s
